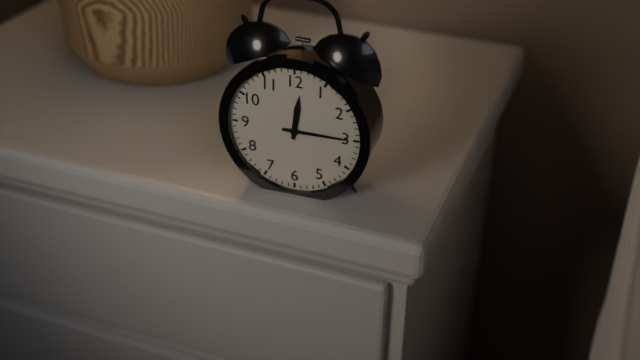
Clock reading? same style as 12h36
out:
12h15
